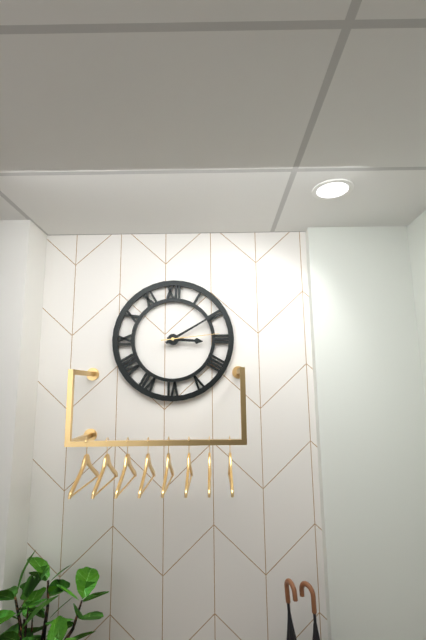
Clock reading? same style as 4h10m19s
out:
3h10m14s
